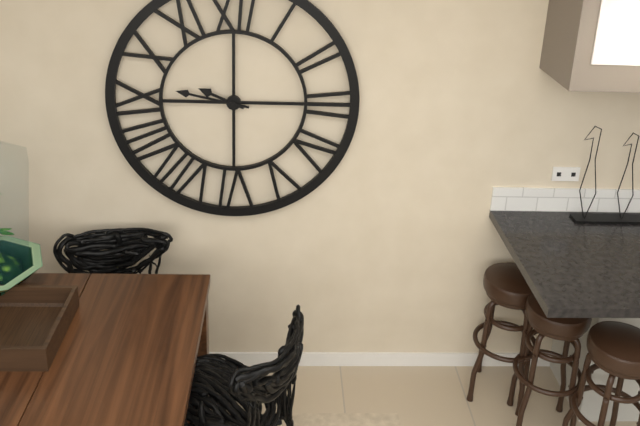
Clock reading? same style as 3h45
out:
9h47
